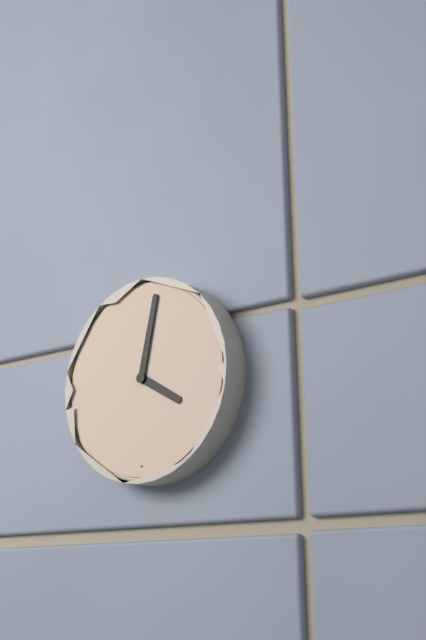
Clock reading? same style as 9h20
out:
4h02
